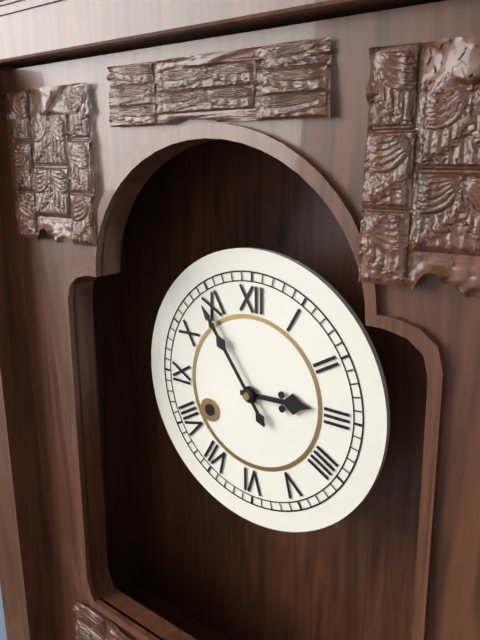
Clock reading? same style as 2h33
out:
2h54
